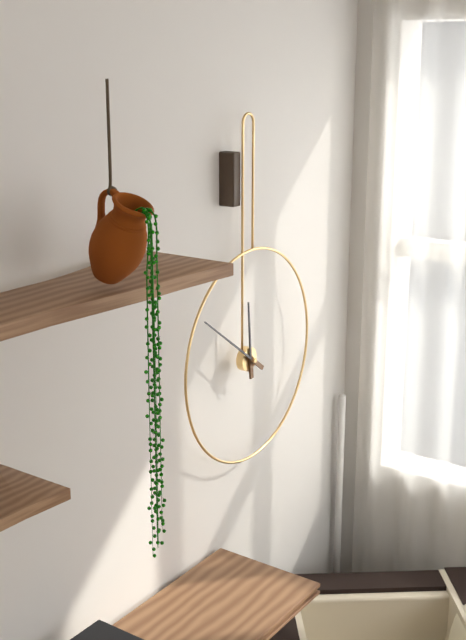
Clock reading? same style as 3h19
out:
11h51
